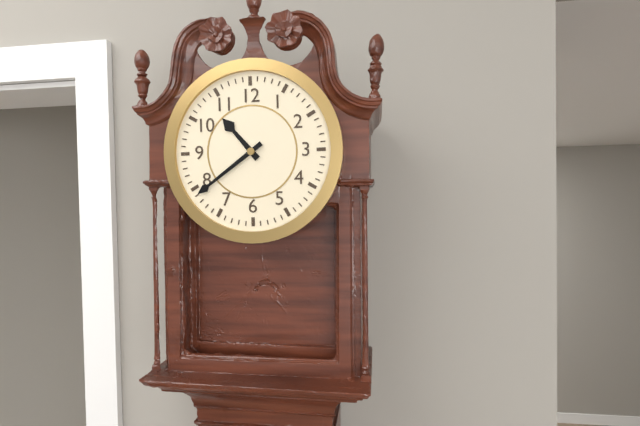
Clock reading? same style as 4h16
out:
10h39
